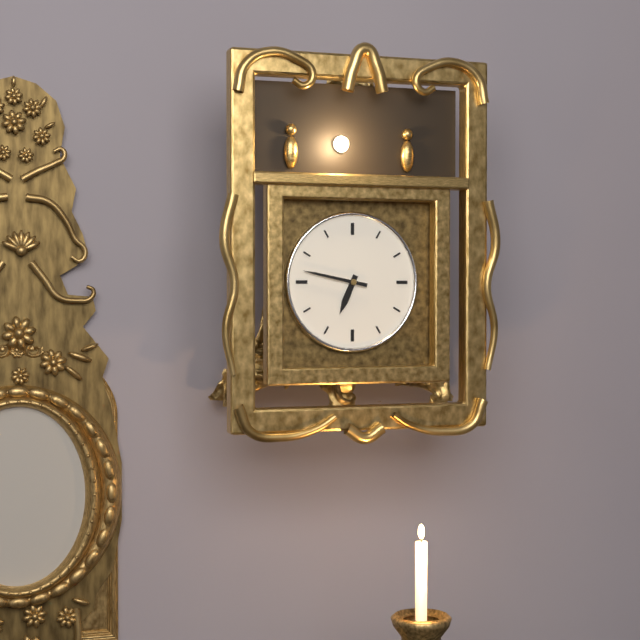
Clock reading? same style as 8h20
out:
6h47
